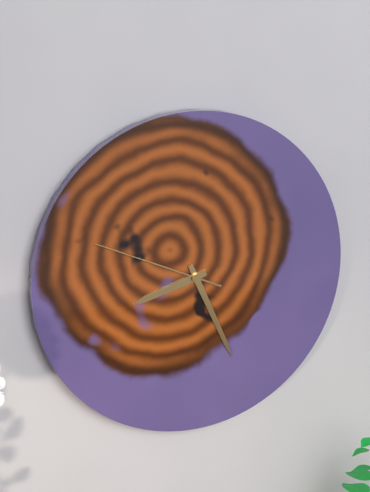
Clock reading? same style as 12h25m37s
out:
8h26m49s
